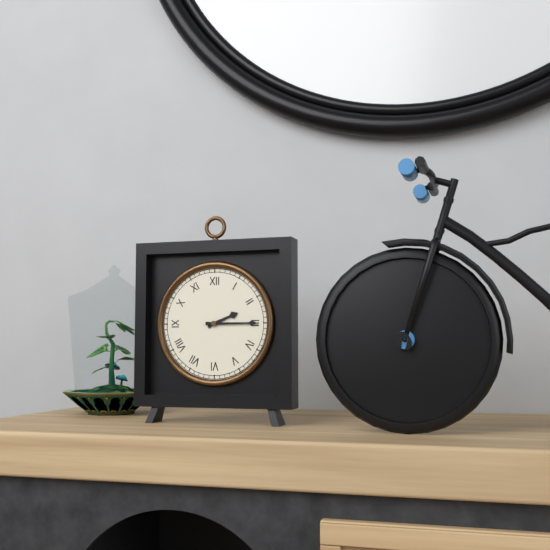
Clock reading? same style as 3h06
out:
2h15
